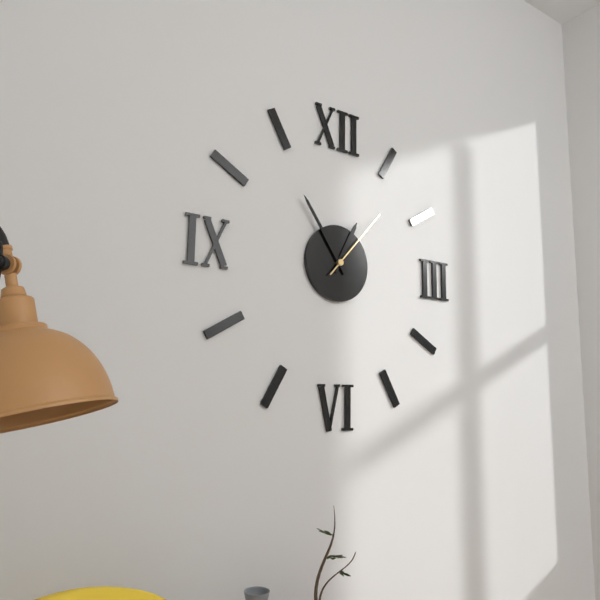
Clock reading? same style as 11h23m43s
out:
12h54m07s
